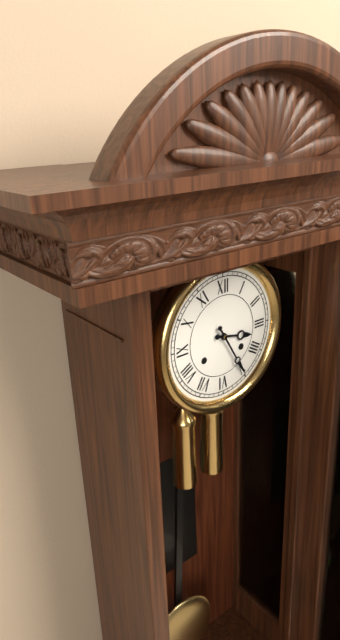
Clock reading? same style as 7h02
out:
3h25
